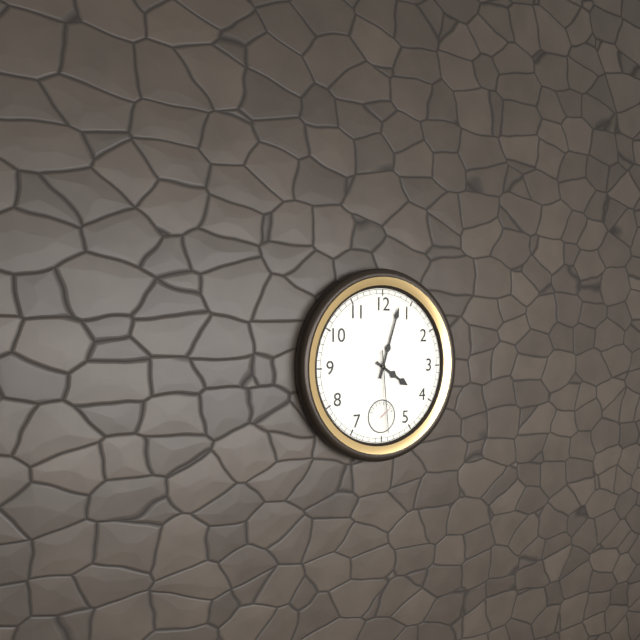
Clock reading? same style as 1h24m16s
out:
4h03m29s
